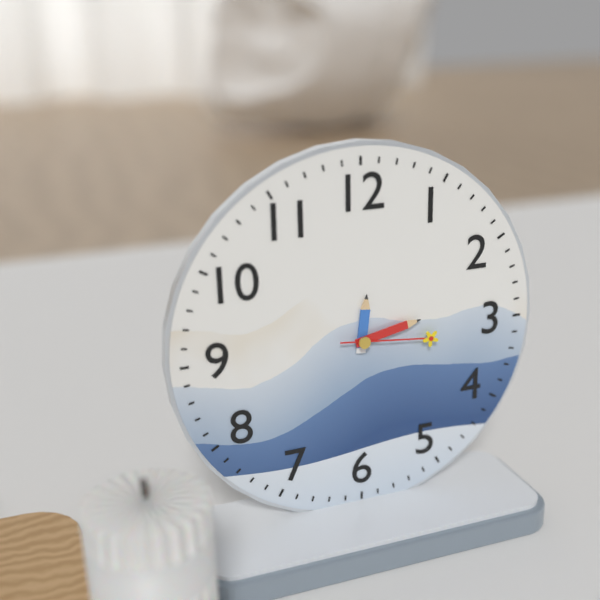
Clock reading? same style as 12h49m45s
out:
12h13m16s
